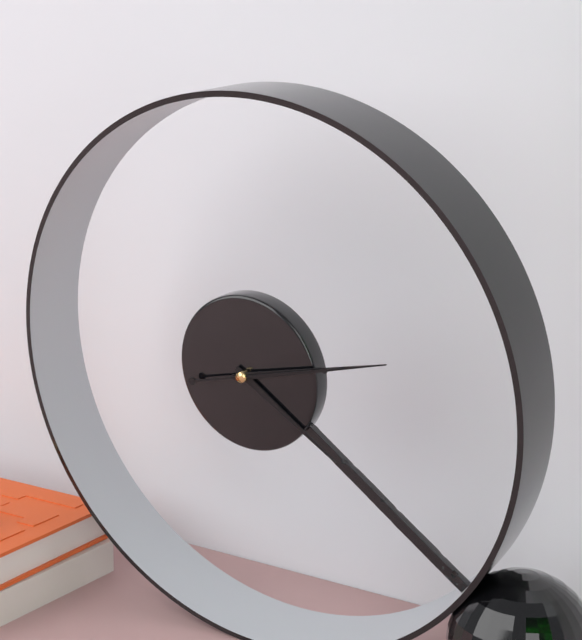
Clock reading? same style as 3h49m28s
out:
4h13m13s
